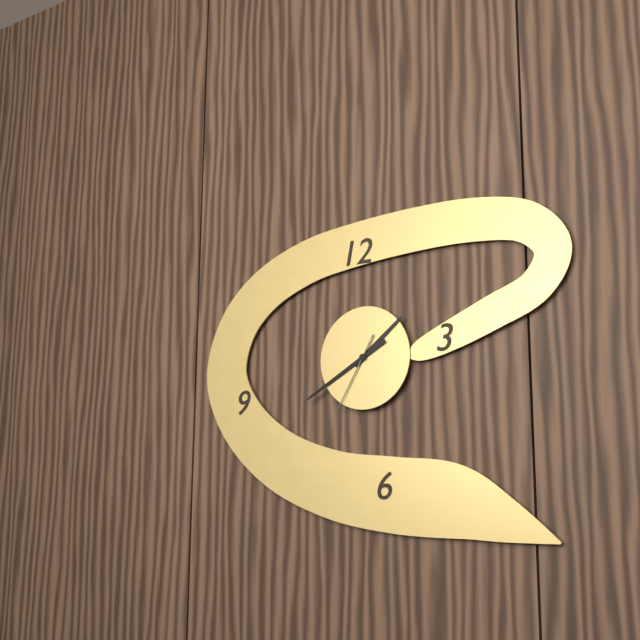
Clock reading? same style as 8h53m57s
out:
1h40m35s
